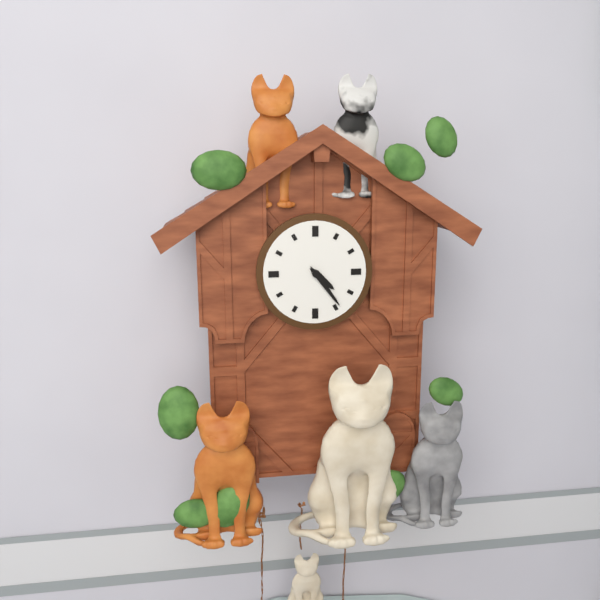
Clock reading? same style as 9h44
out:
4h24
